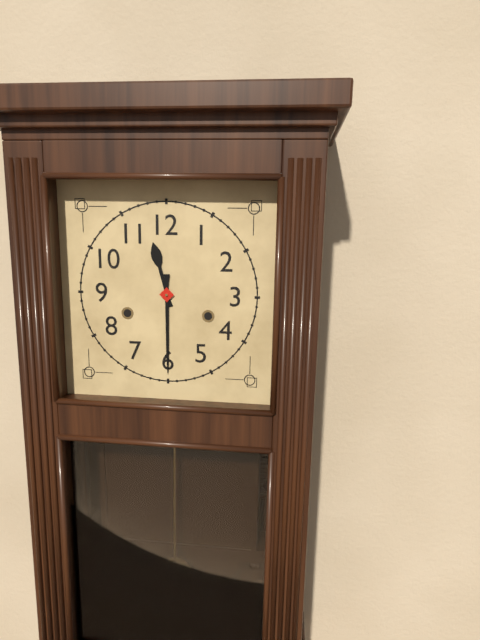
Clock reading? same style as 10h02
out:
11h30
